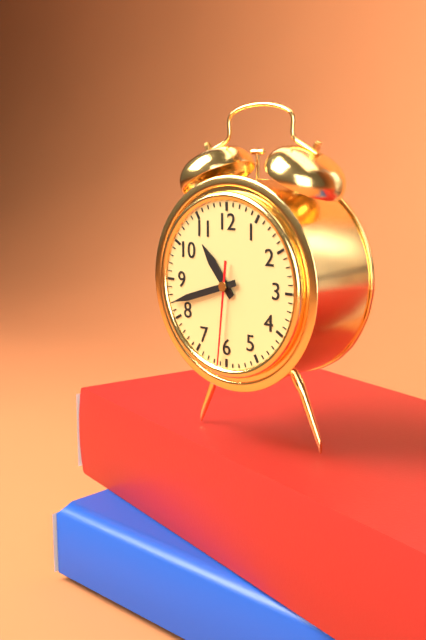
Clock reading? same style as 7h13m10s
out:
10h42m31s
